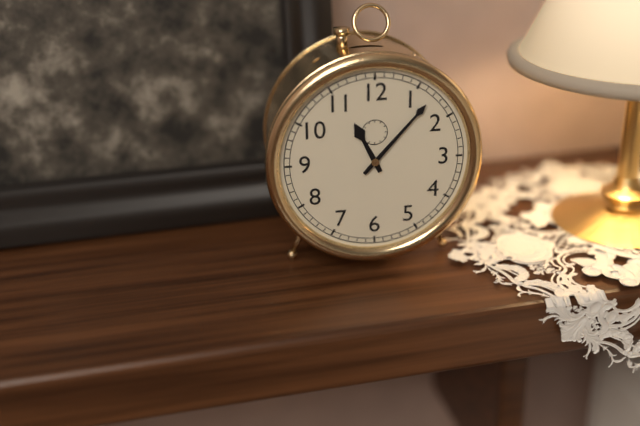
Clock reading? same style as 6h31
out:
11h07
